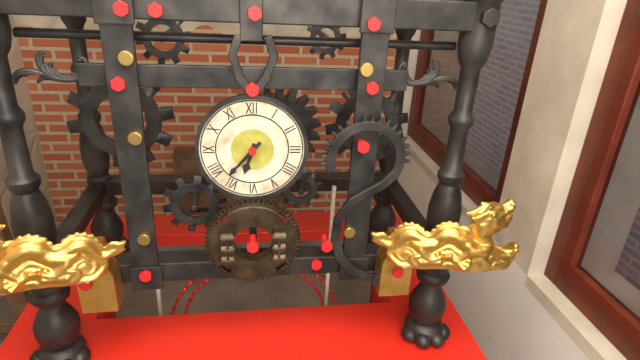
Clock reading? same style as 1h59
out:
6h37
